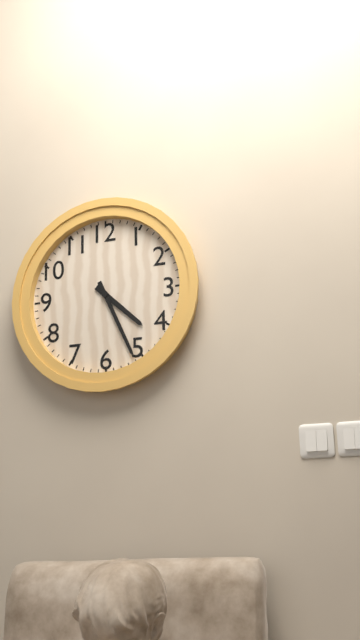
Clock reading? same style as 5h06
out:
4h26
